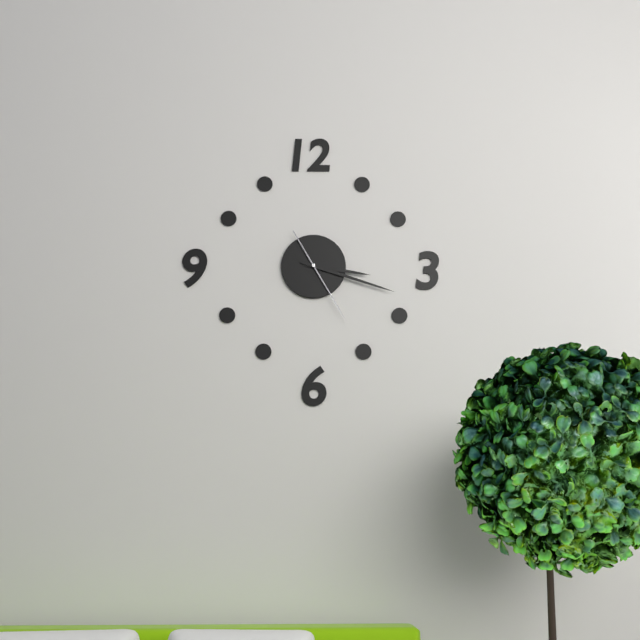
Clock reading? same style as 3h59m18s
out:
3h18m25s
